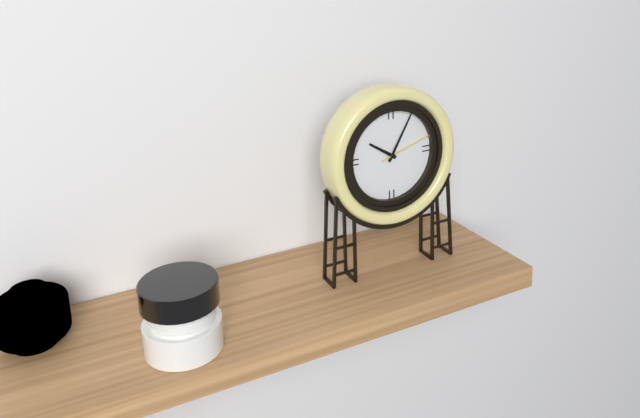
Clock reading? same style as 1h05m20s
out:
10h05m12s
